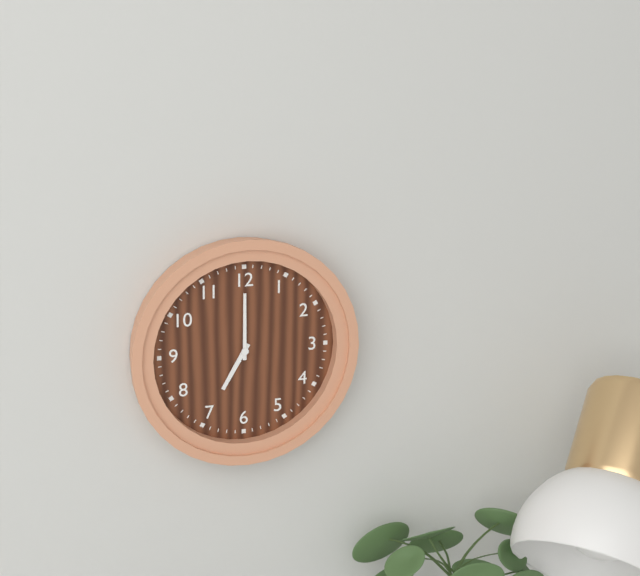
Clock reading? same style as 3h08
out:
7h00
